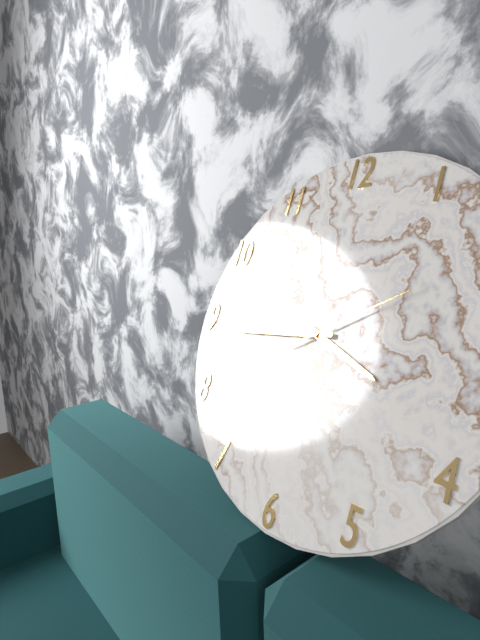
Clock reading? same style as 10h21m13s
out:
3h44m10s
